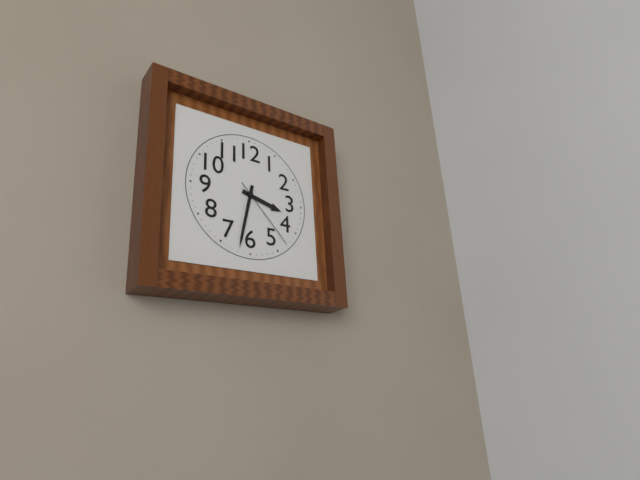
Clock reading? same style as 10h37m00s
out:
3h32m23s
